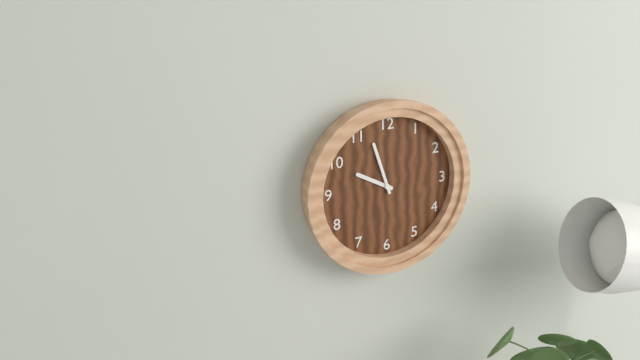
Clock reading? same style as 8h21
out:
9h57
